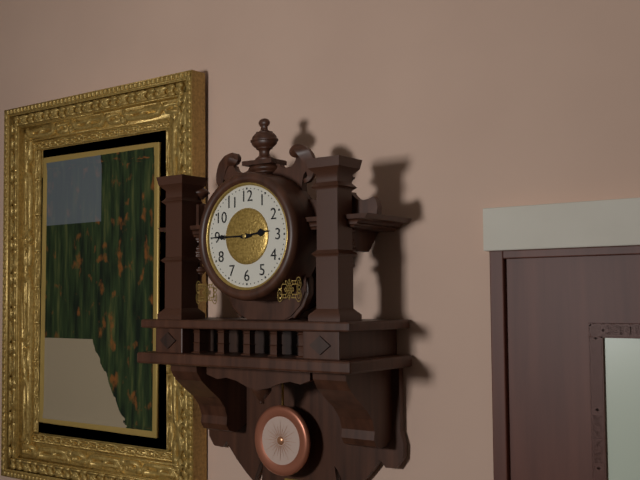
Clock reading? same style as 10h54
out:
2h45
